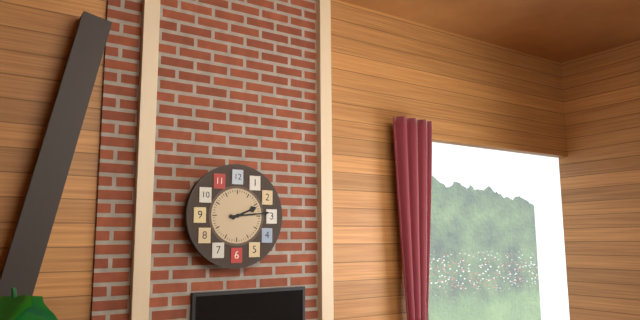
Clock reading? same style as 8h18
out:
2h14
